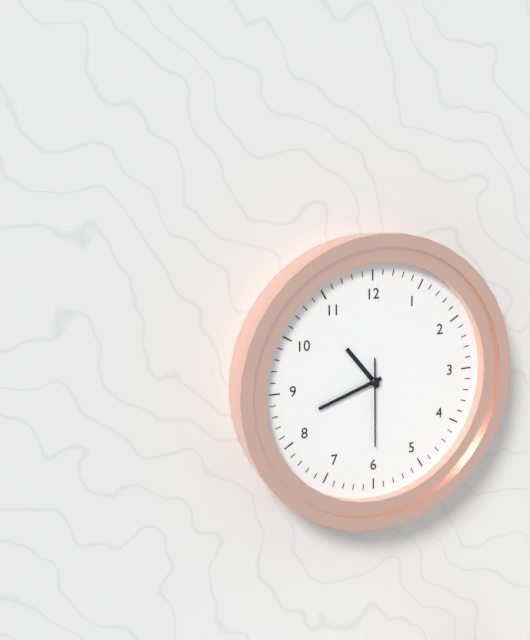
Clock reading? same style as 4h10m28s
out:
10h42m30s
